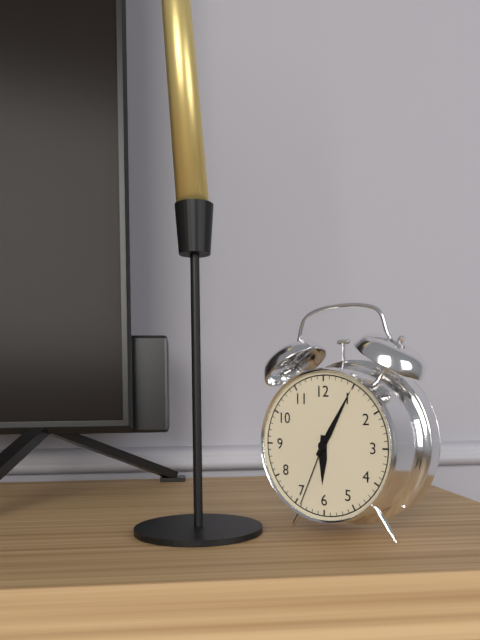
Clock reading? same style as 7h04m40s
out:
6h05m34s
